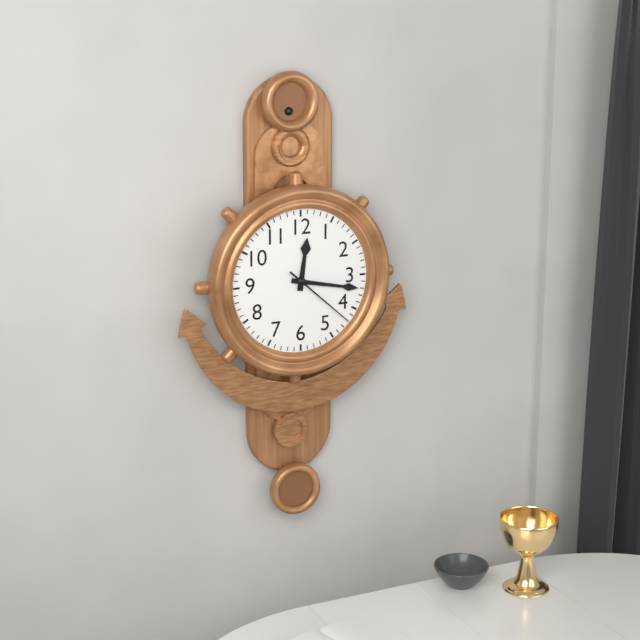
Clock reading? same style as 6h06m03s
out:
12h17m22s
